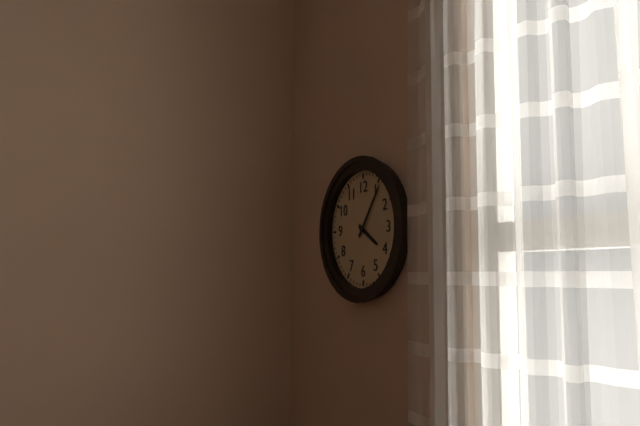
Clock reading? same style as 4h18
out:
4h06
